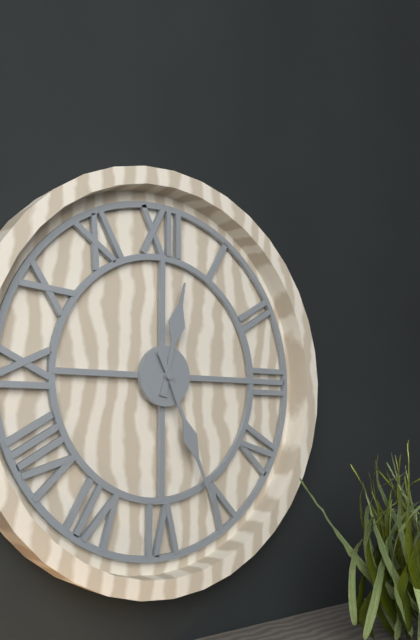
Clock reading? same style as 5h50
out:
12h26
